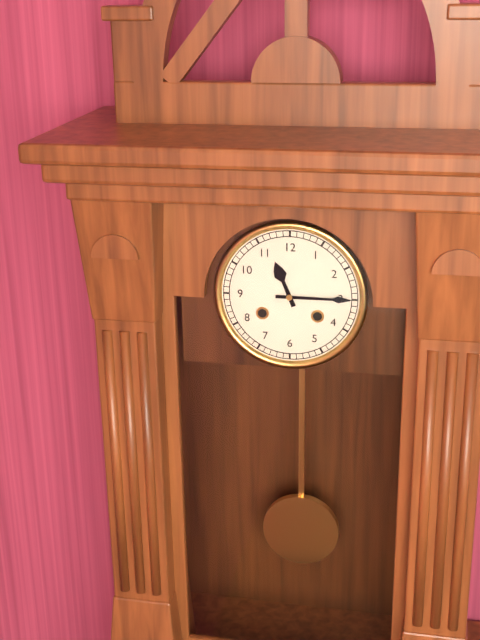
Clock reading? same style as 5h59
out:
11h15
